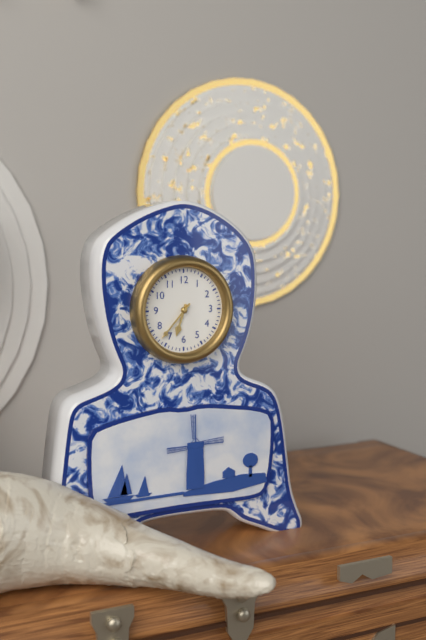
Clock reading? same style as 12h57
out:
6h37
